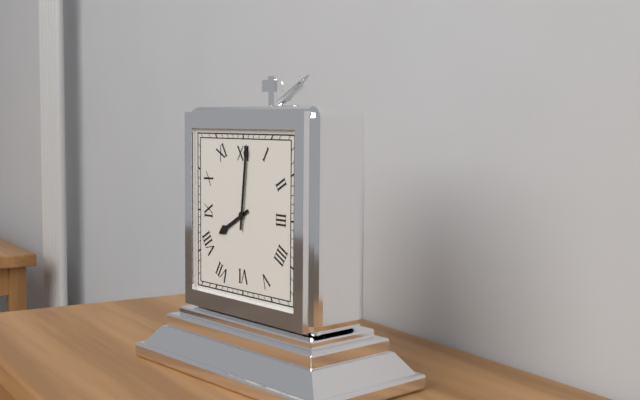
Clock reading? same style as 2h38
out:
8h01
